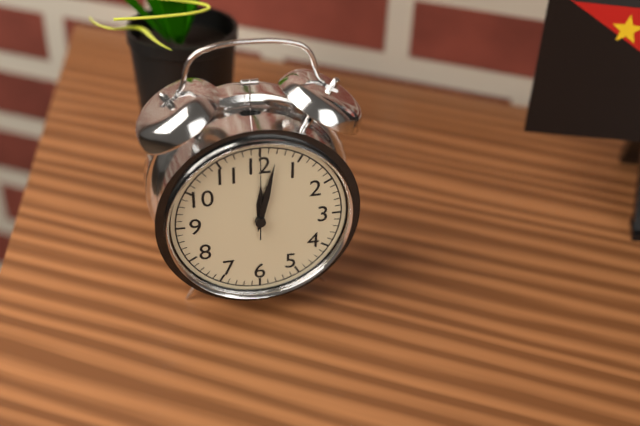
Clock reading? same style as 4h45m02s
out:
12h02m00s
